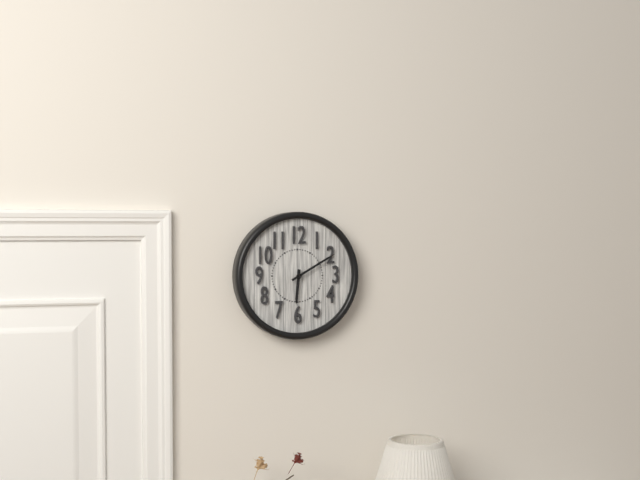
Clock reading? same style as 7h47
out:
6h10
